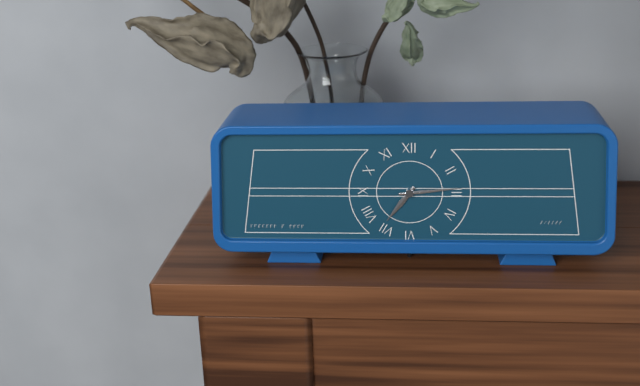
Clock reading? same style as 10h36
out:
7h14
